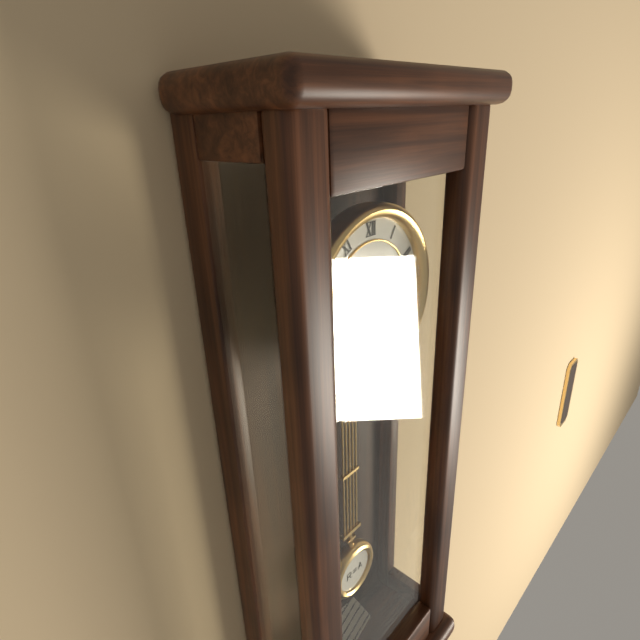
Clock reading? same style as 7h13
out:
7h41
